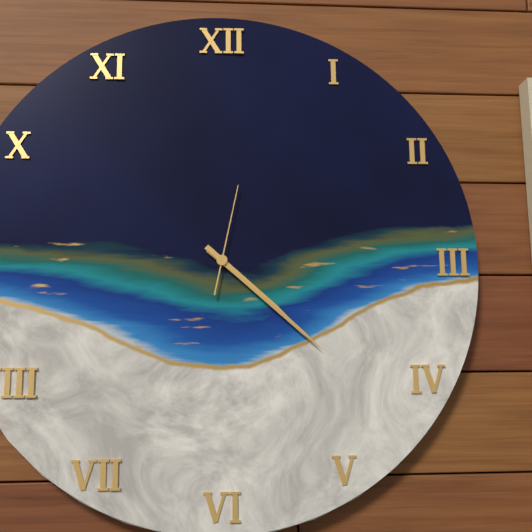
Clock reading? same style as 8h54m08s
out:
4h22m02s
